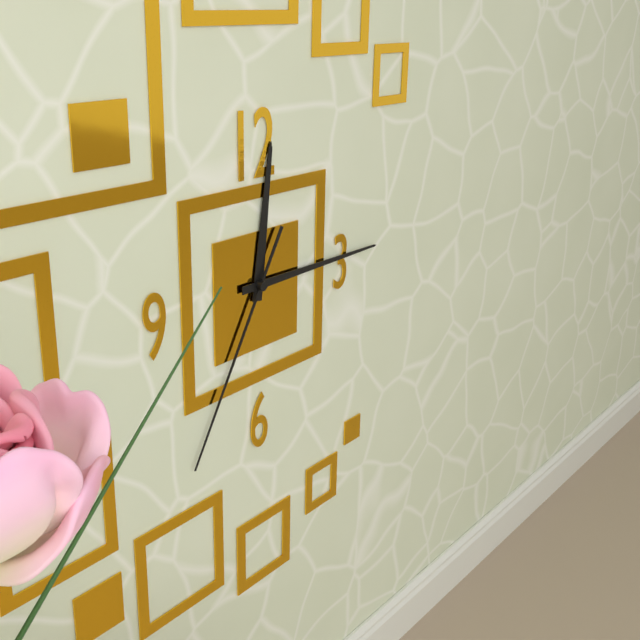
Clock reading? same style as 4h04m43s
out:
12h15m35s
